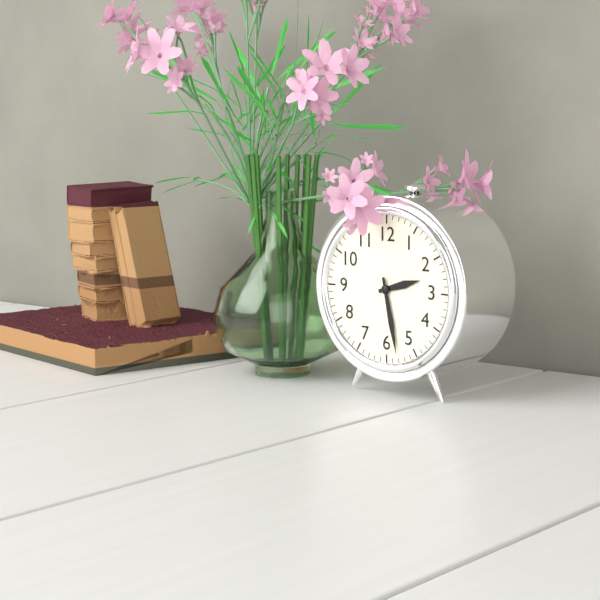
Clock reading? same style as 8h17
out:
2h28
